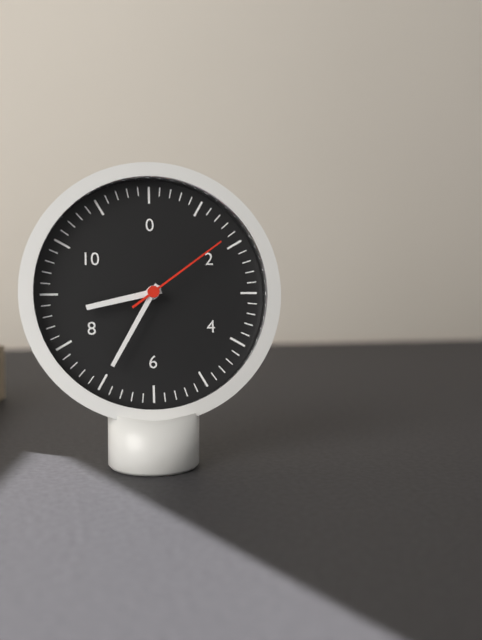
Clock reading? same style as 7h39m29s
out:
8h35m09s
